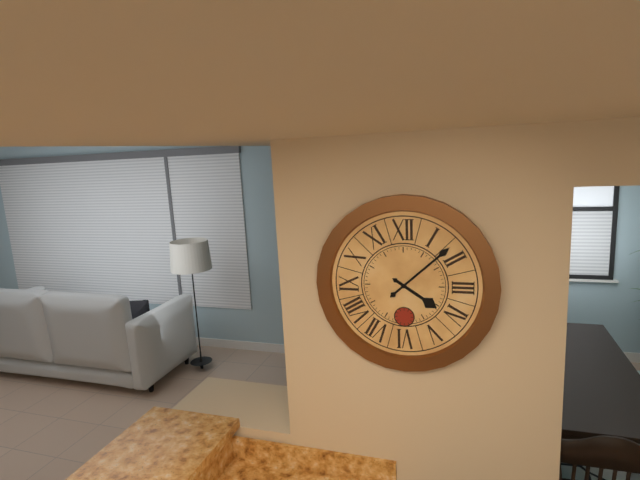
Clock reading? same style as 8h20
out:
4h08
